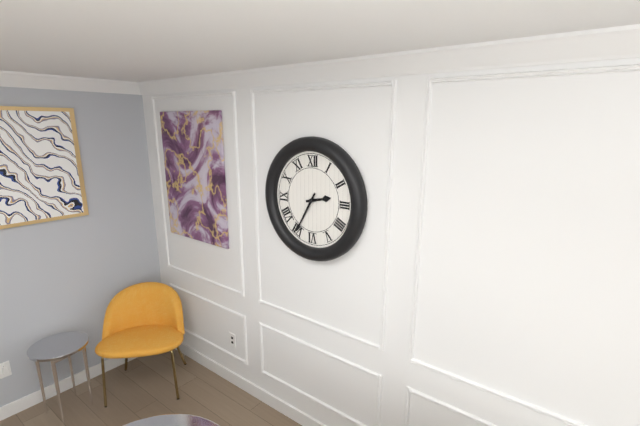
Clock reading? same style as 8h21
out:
2h35
